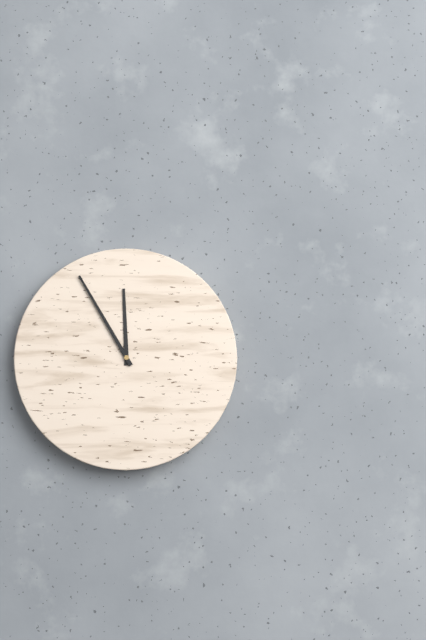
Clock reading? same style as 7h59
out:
11h55
